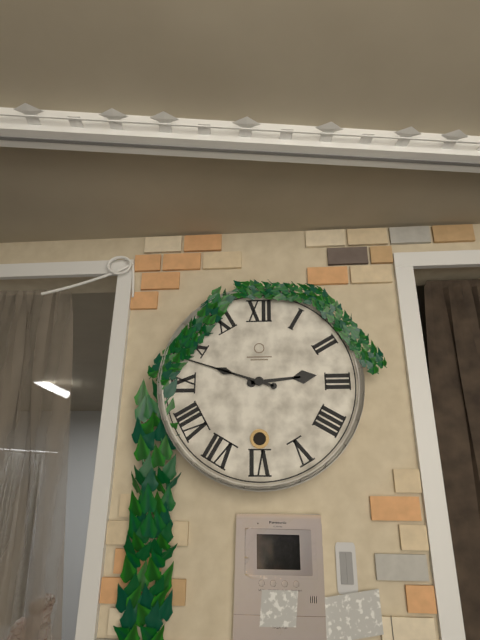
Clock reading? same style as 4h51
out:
2h48
